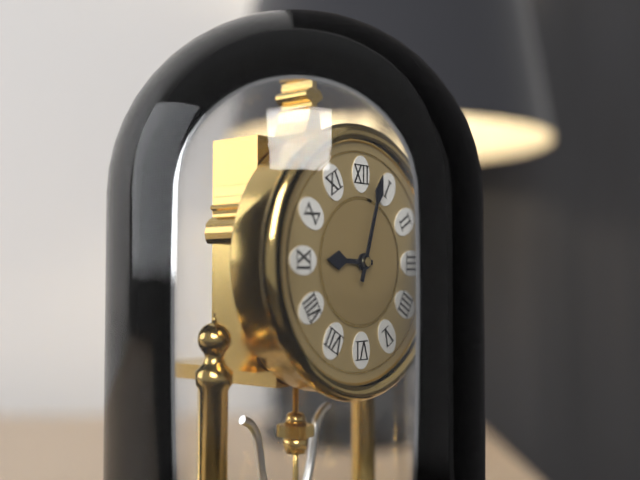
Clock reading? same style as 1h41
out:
9h03
